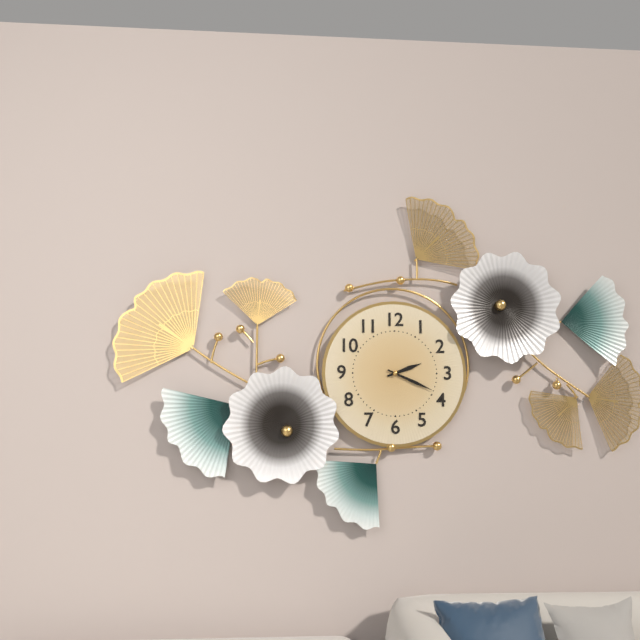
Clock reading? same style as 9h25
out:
2h19
